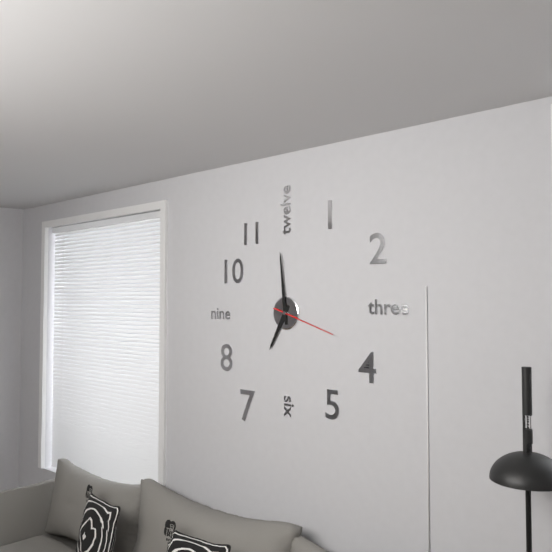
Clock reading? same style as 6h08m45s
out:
6h59m18s
